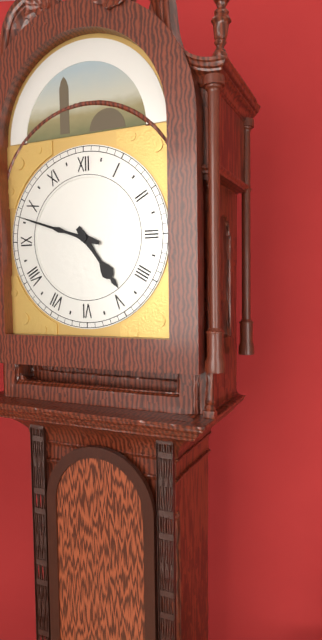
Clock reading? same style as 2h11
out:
4h48
